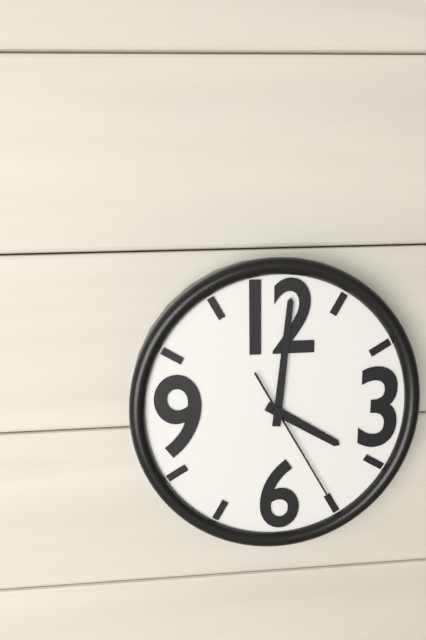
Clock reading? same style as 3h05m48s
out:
4h01m25s
